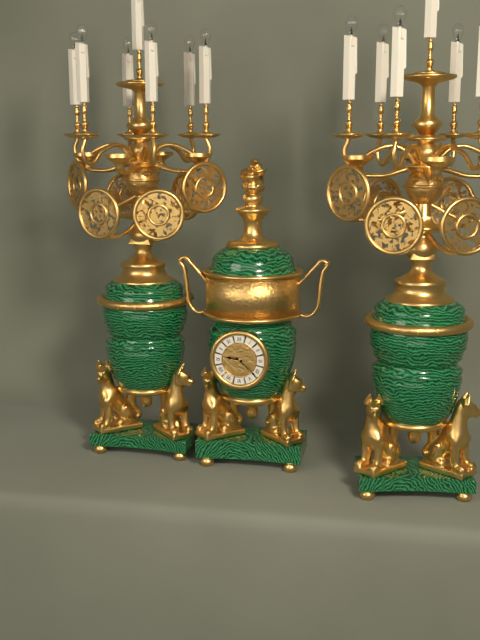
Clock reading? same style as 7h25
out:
9h22
